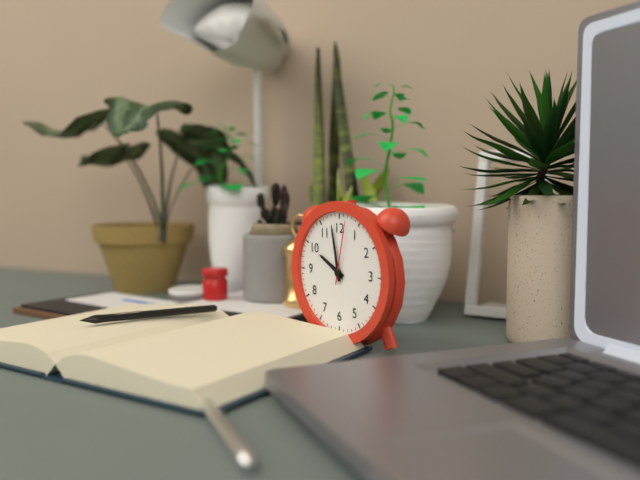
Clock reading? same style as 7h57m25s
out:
9h58m02s
